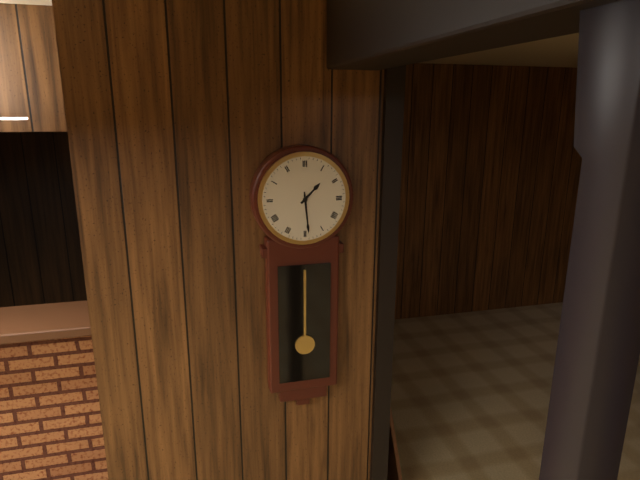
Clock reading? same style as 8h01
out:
1h29
